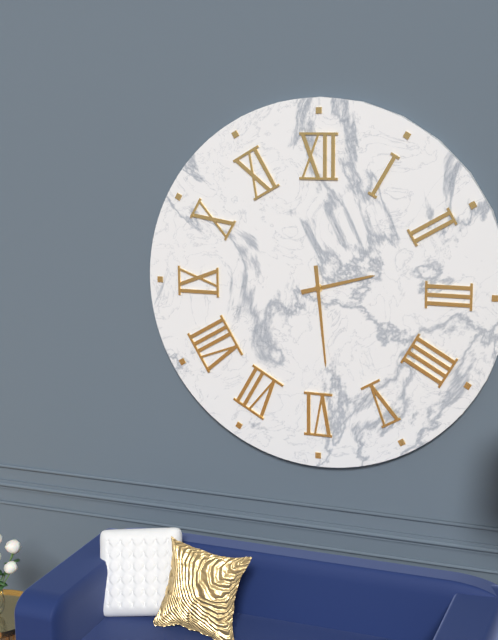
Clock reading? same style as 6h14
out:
2h29
